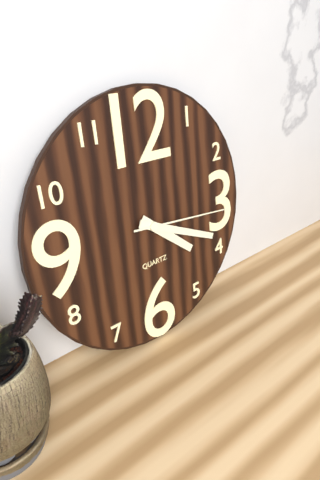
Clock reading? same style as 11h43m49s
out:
4h19m16s
